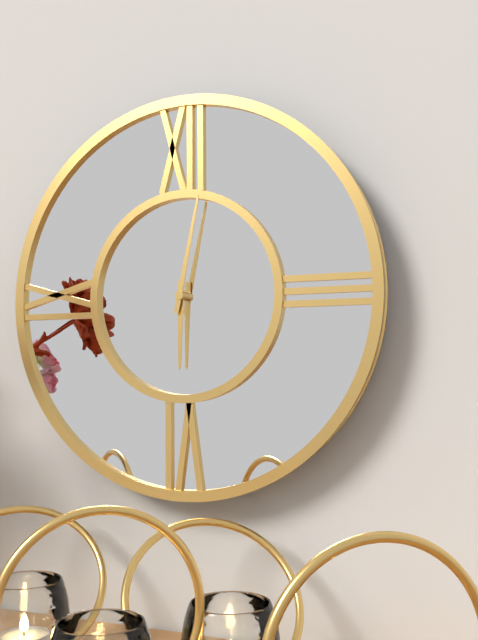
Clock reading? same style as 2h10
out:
6h02
